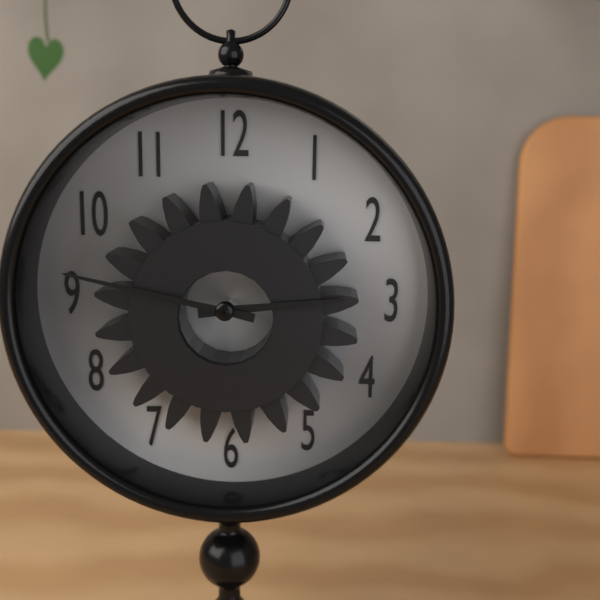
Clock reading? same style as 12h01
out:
2h47
